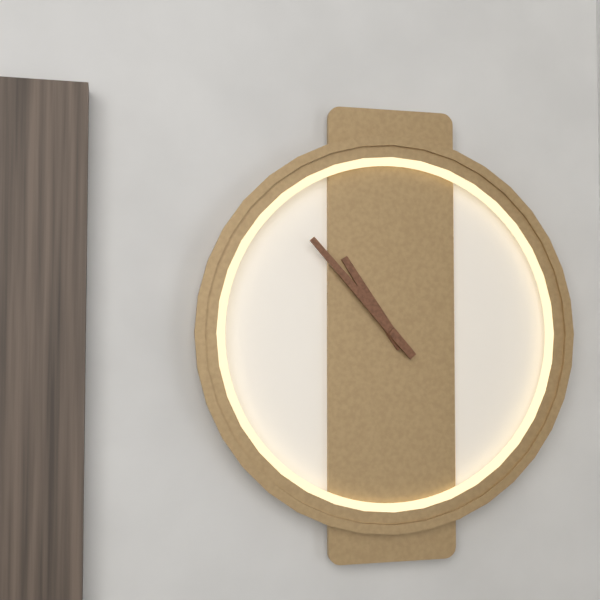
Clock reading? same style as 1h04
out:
10h53
